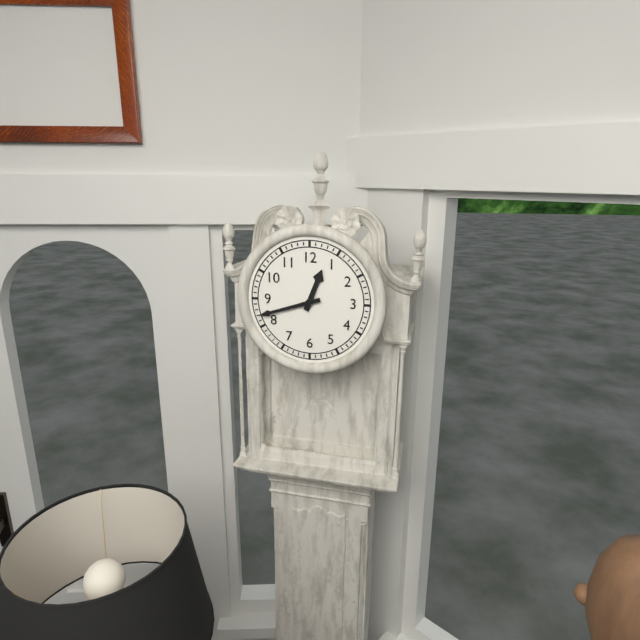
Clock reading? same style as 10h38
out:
12h42
